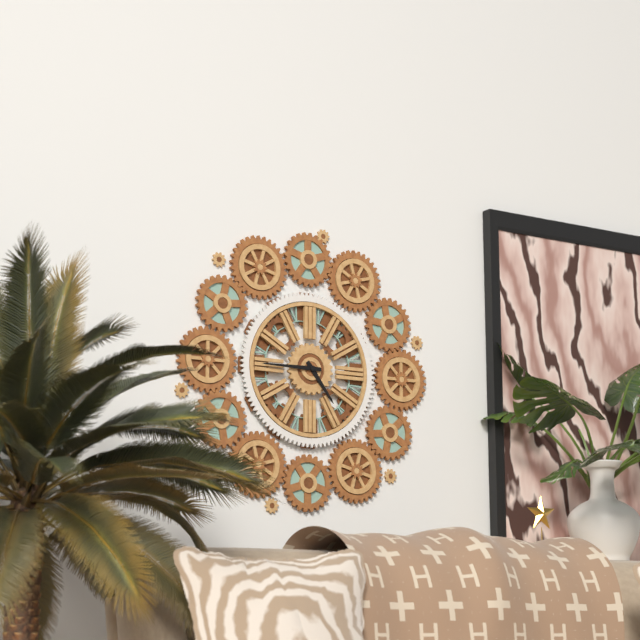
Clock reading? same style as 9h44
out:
4h45
